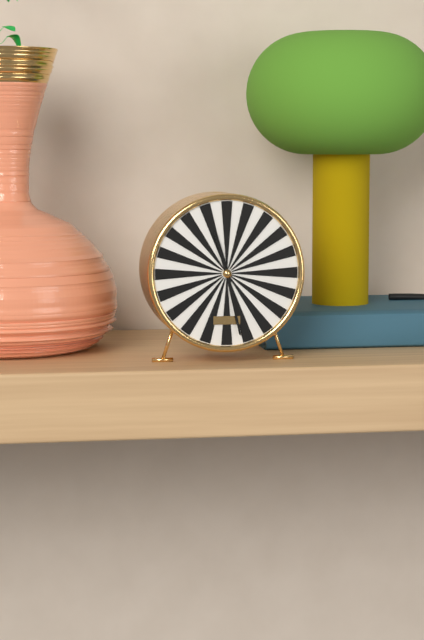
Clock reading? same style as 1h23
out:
11h28
